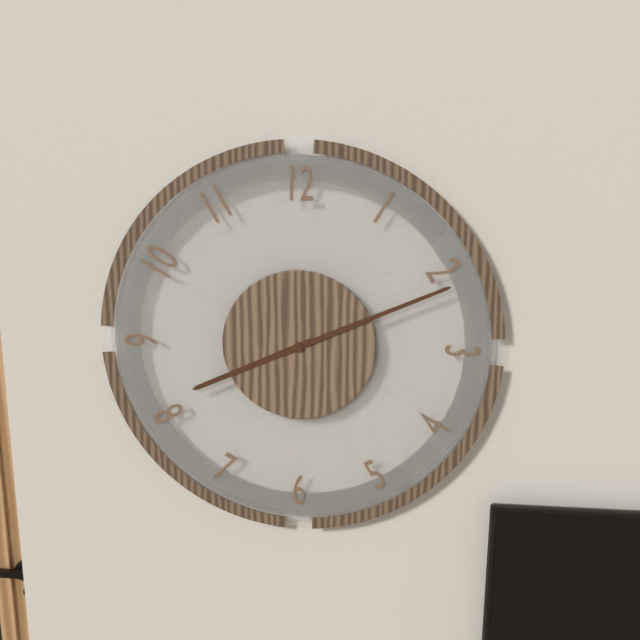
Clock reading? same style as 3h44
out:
8h11
